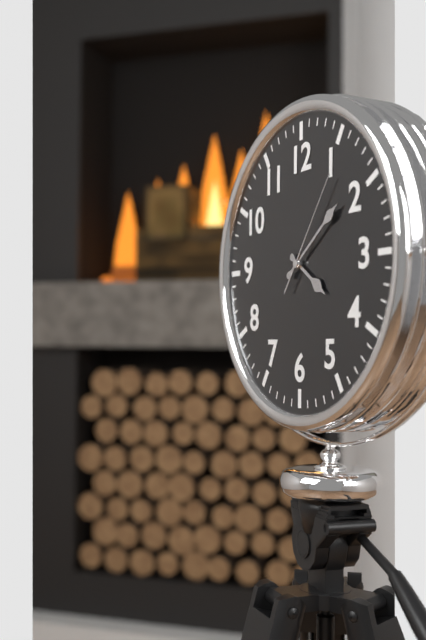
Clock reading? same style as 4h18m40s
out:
4h09m06s
